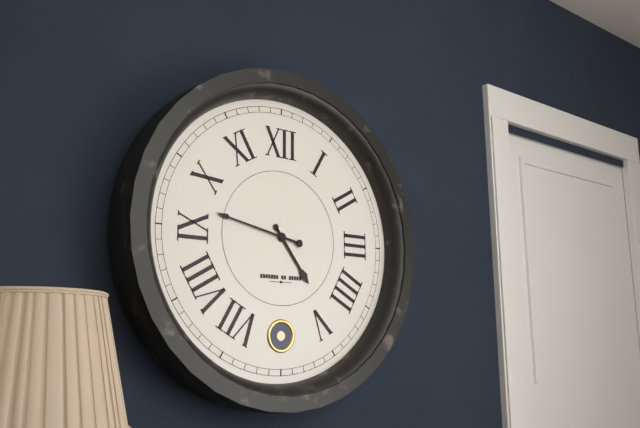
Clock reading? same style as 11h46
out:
4h47
